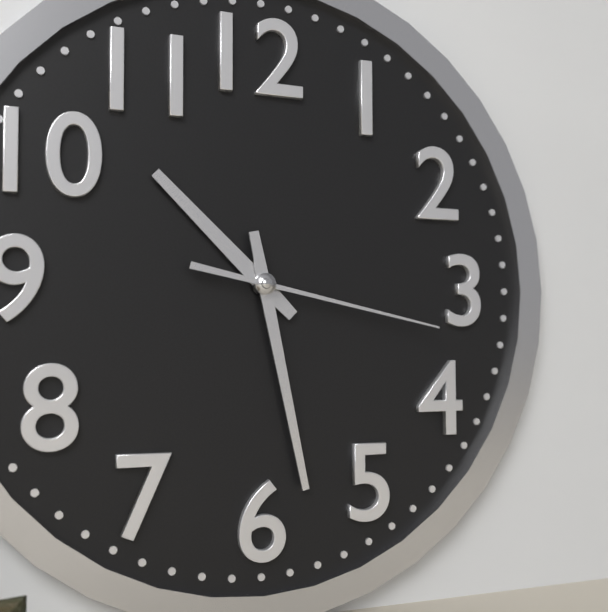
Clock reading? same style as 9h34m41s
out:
10h28m17s
